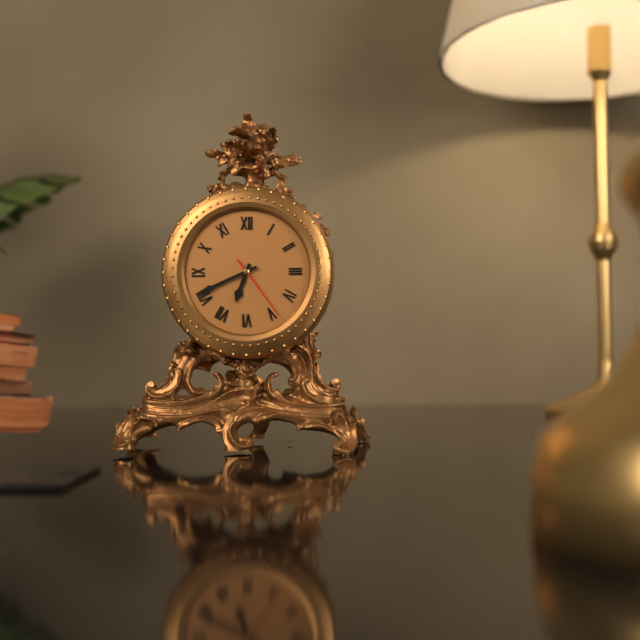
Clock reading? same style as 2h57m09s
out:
6h41m24s
